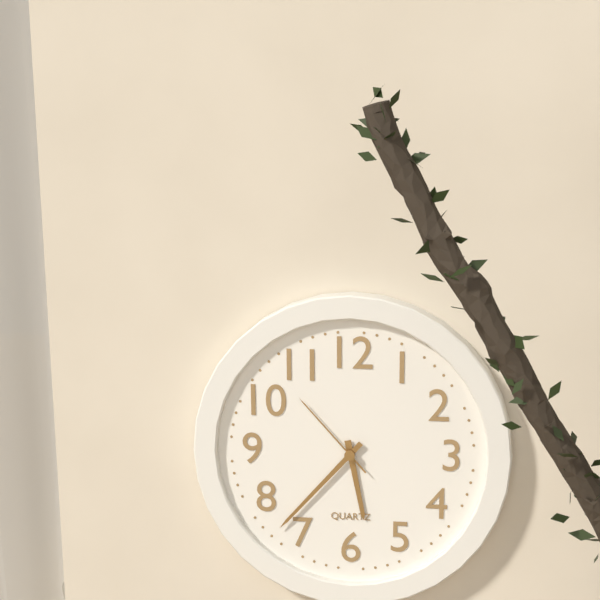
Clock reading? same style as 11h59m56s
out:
5h37m53s
